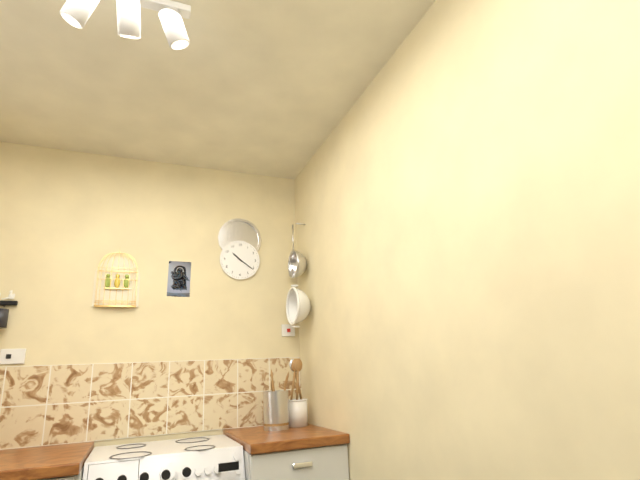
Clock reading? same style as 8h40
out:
10h21
